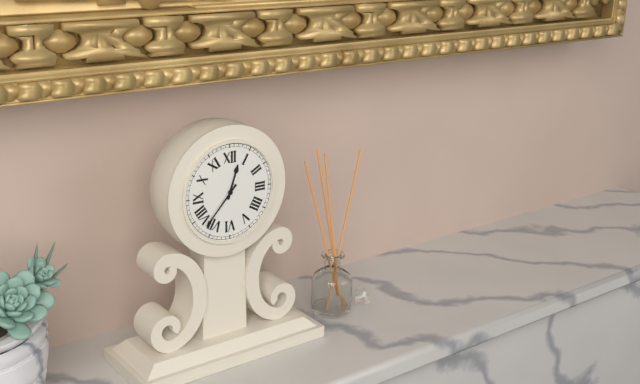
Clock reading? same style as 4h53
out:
12h37
